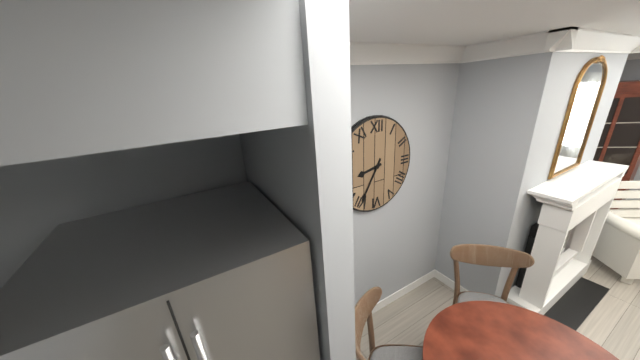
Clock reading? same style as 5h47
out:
8h35
